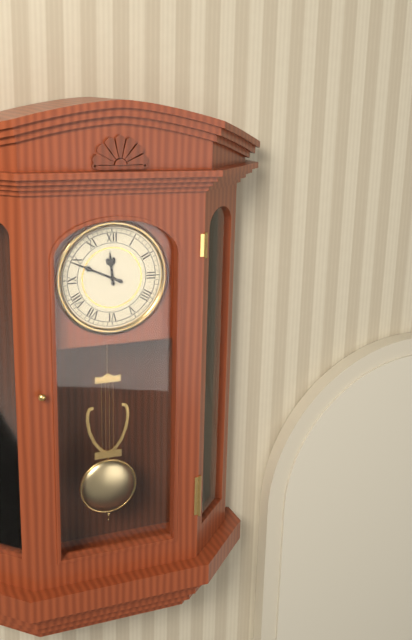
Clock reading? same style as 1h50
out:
11h49
